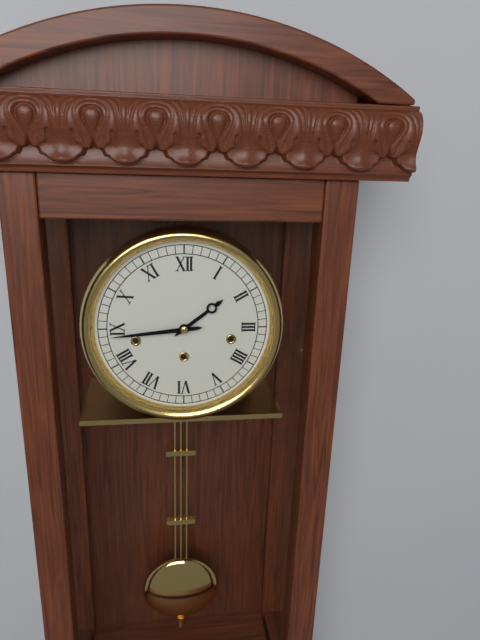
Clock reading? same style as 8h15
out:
1h44
